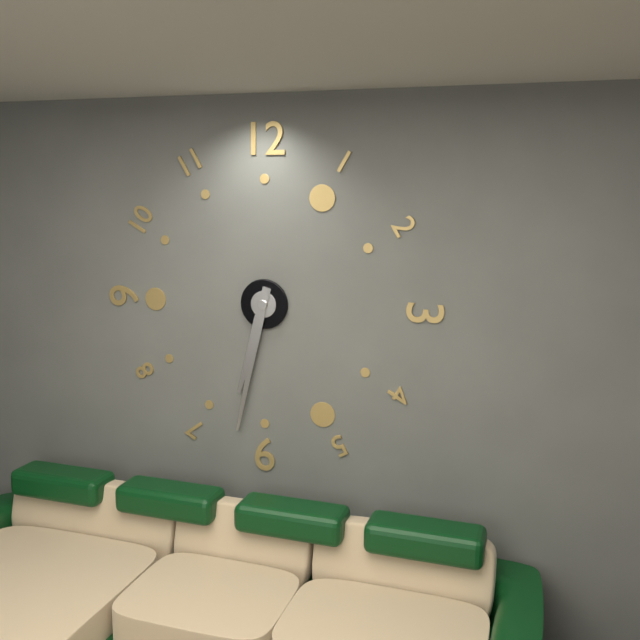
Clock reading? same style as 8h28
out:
6h32
